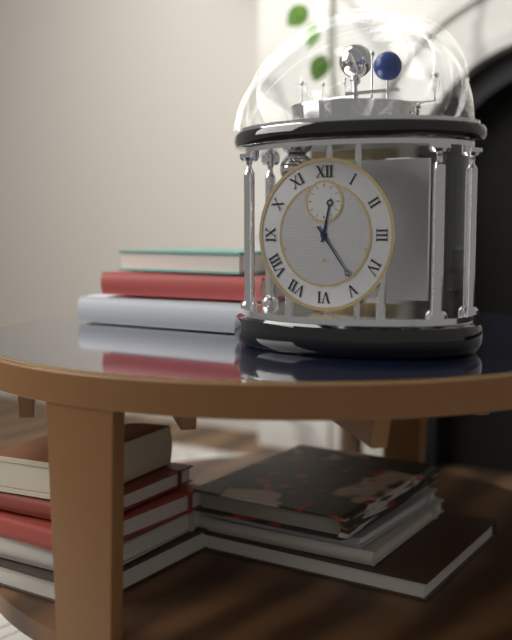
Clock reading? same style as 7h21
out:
12h24
